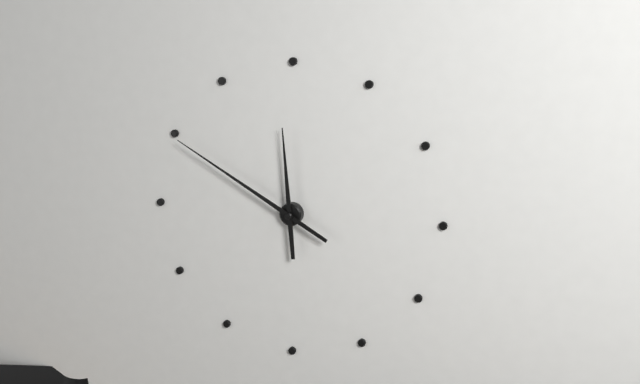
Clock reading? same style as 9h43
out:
11h50
